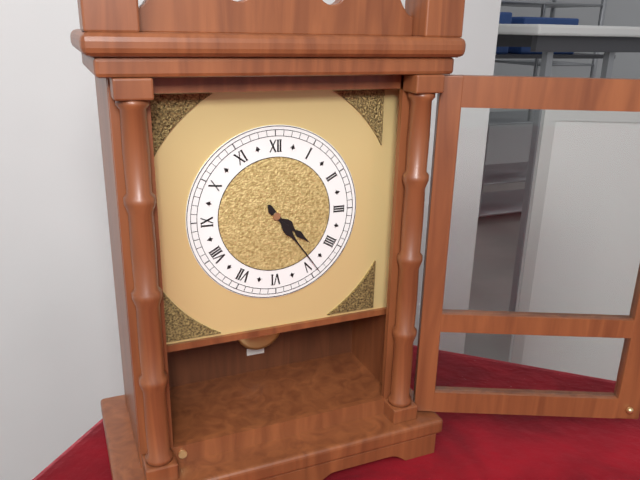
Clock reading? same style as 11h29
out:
4h24
